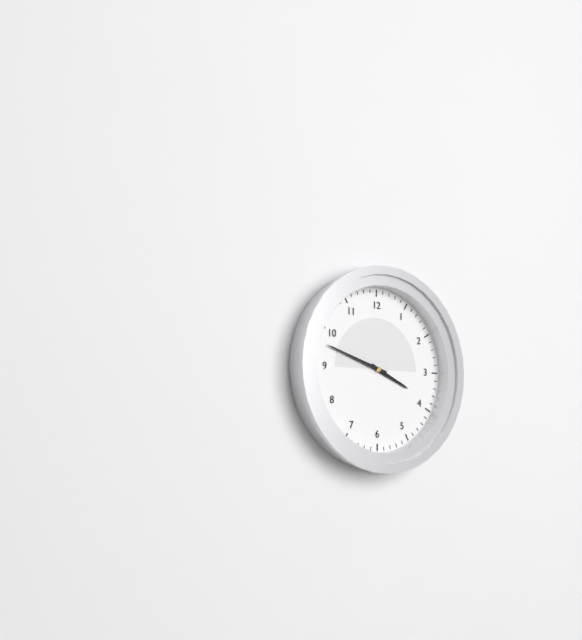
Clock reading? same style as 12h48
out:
3h48
